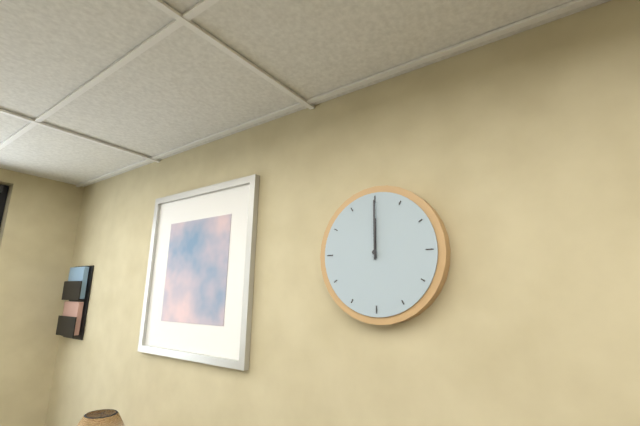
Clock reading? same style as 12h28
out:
12h00
